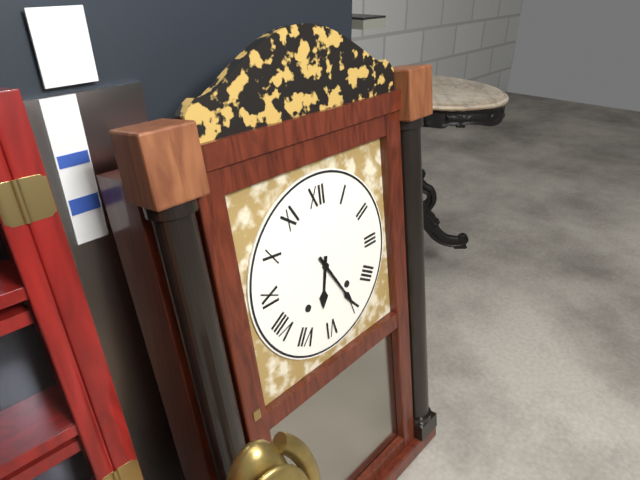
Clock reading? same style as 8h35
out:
6h25
